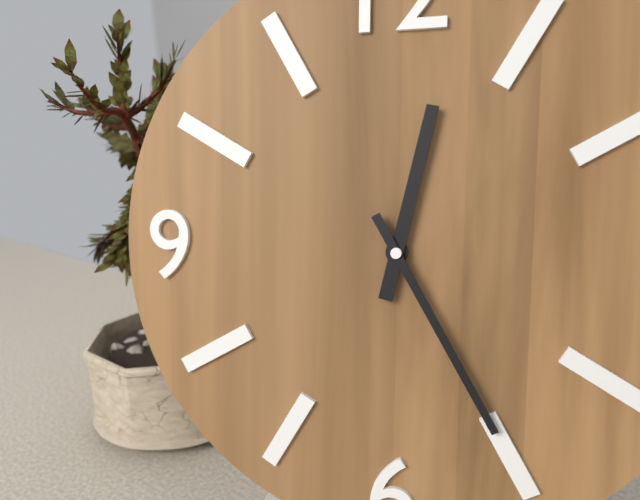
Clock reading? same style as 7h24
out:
12h25
